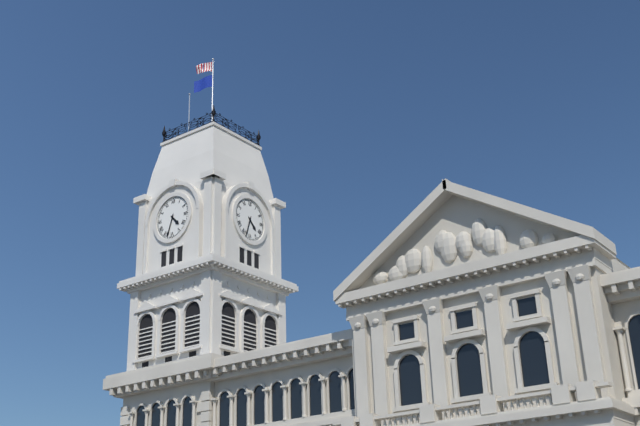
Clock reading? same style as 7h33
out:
4h33
